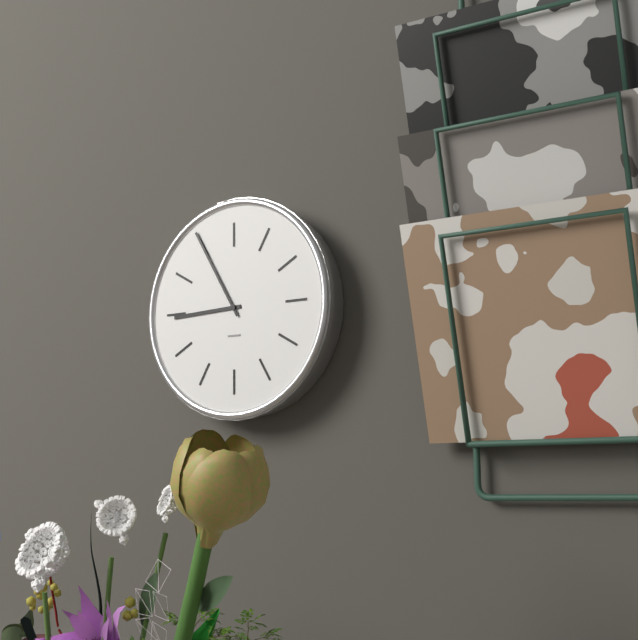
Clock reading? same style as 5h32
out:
8h55
